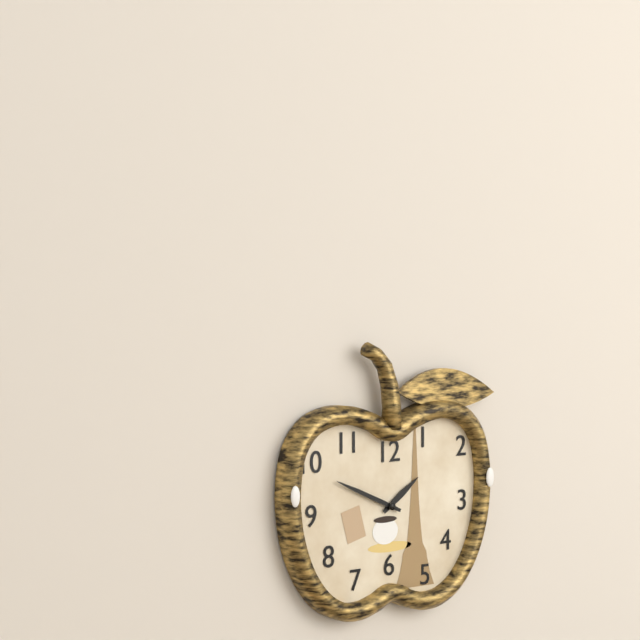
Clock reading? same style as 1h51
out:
1h49
